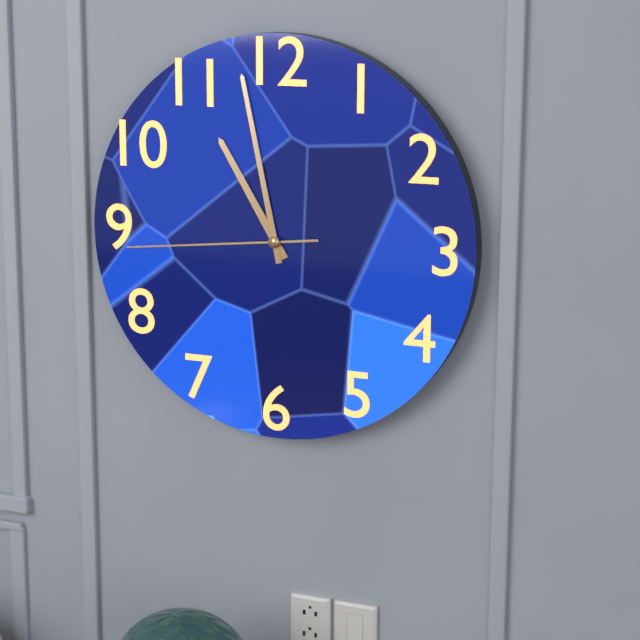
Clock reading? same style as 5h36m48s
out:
10h58m44s
